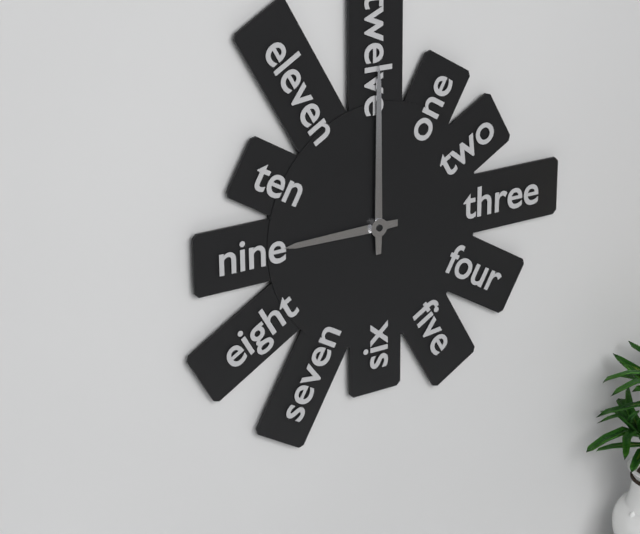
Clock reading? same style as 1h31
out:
9h00
